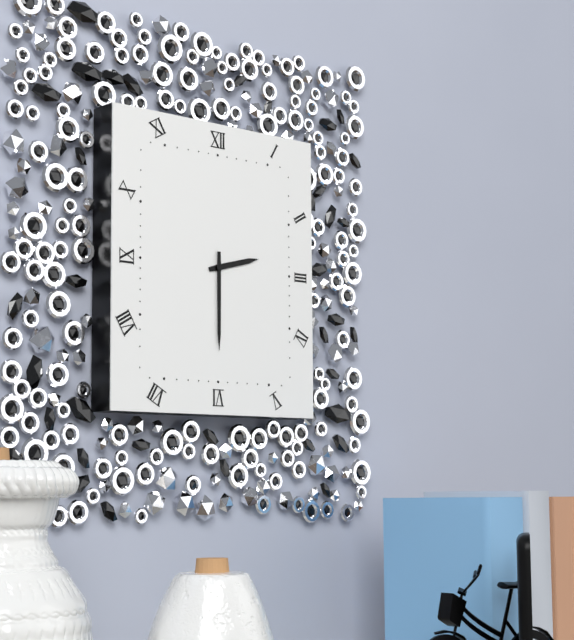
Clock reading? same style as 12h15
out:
2h30
